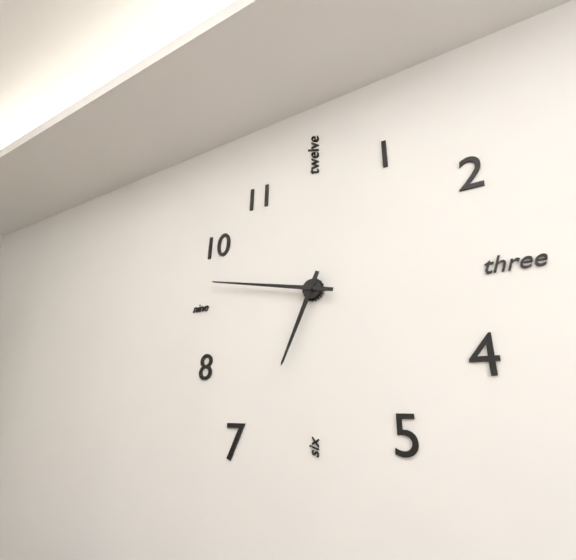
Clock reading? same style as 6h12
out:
6h47
